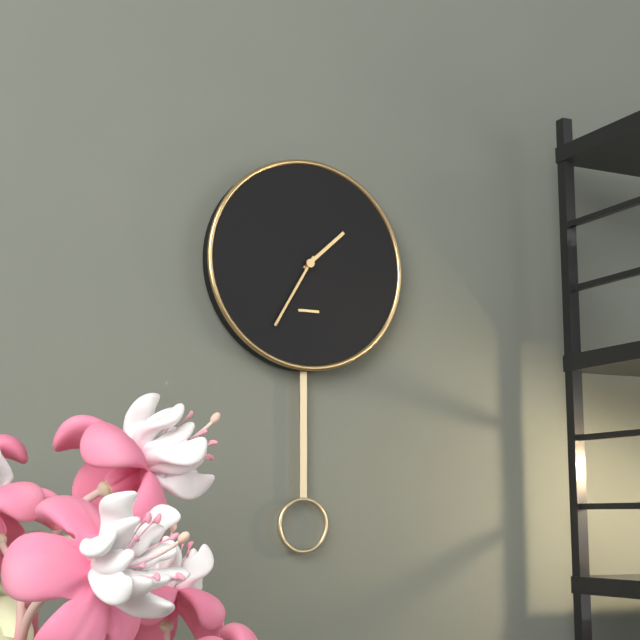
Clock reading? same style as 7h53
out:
1h35
